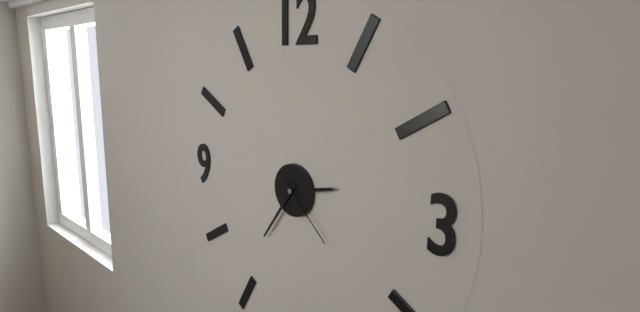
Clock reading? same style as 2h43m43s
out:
2h36m22s
